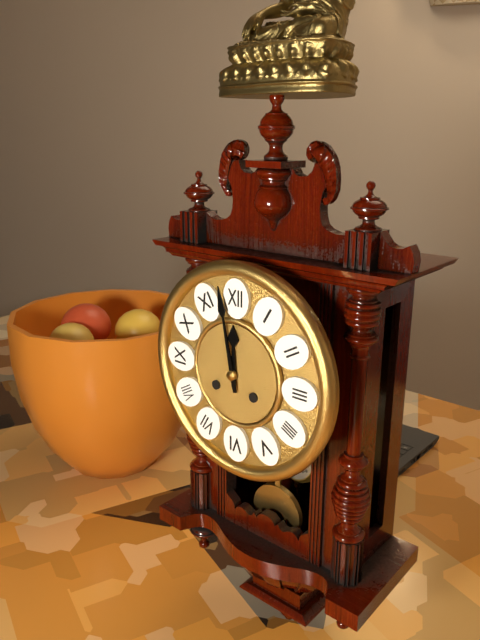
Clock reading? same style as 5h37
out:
11h58
